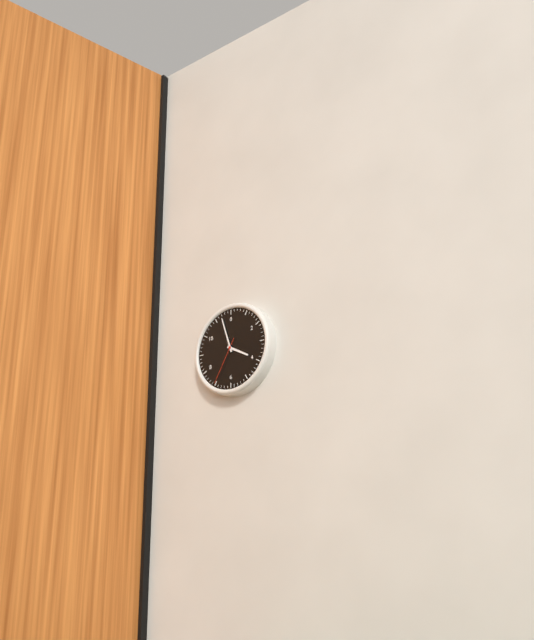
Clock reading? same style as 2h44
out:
3h57
